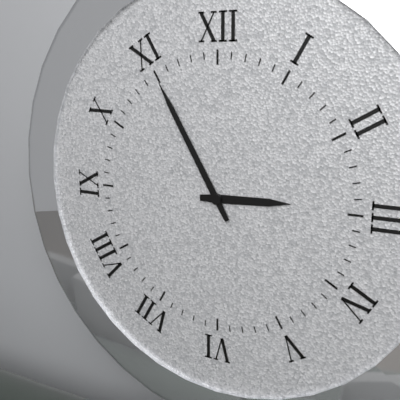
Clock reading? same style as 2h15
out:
2h55
